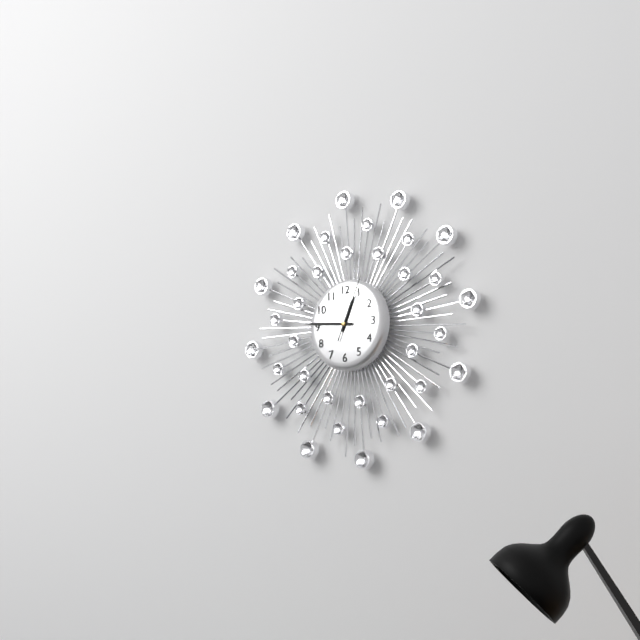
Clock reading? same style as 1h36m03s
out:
12h46m04s
